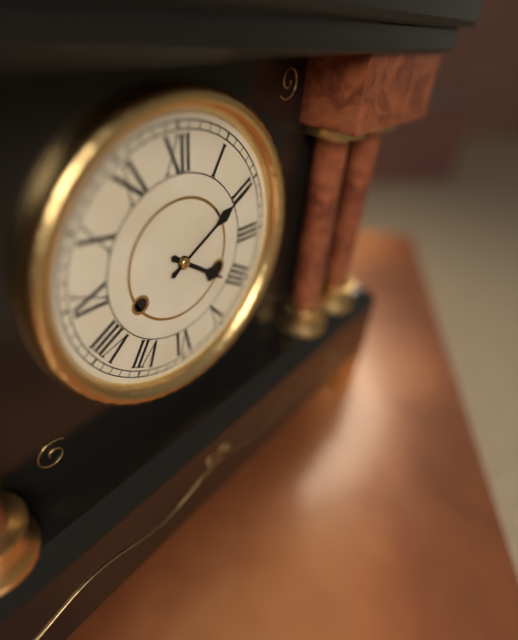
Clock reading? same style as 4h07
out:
4h10
